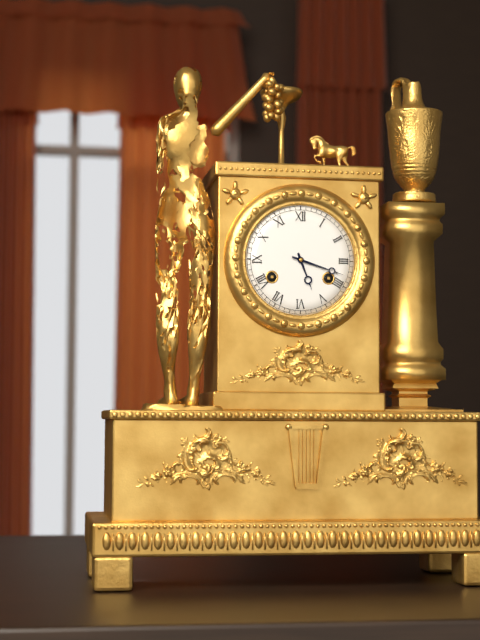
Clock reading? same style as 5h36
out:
5h18
